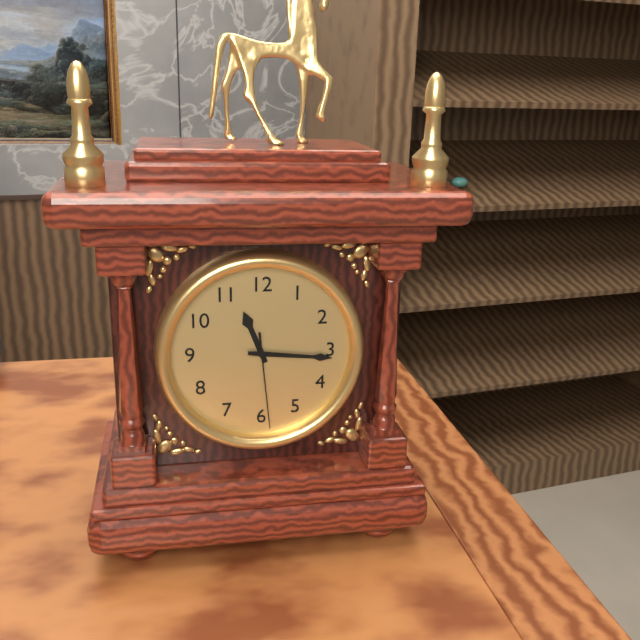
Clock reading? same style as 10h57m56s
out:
11h16m29s
